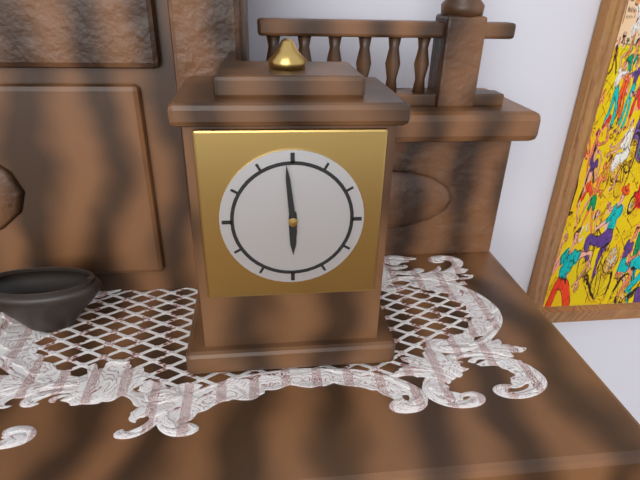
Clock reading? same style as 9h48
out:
5h59
